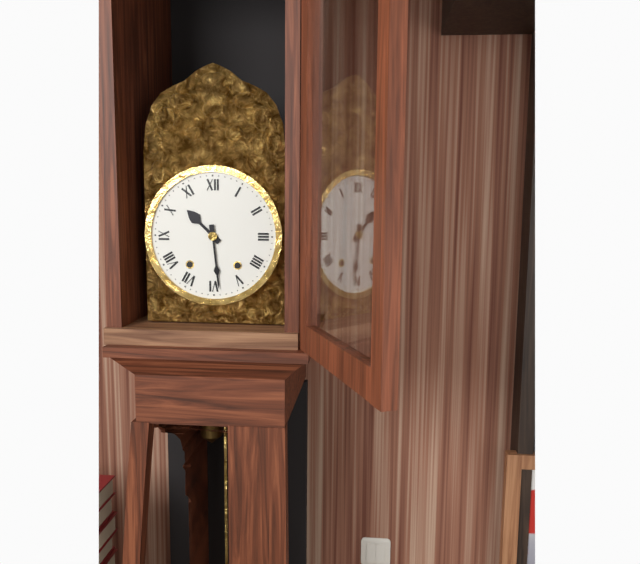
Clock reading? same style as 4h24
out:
10h29
